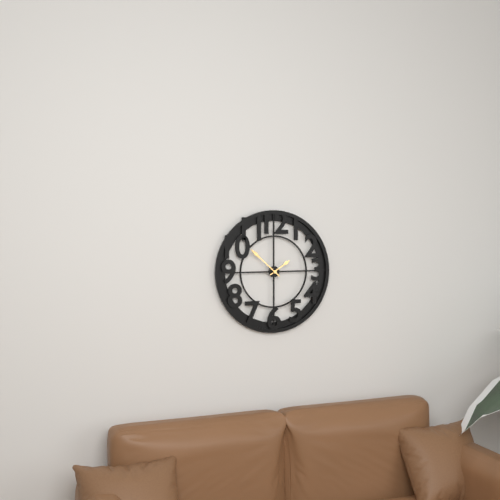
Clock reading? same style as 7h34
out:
1h52
